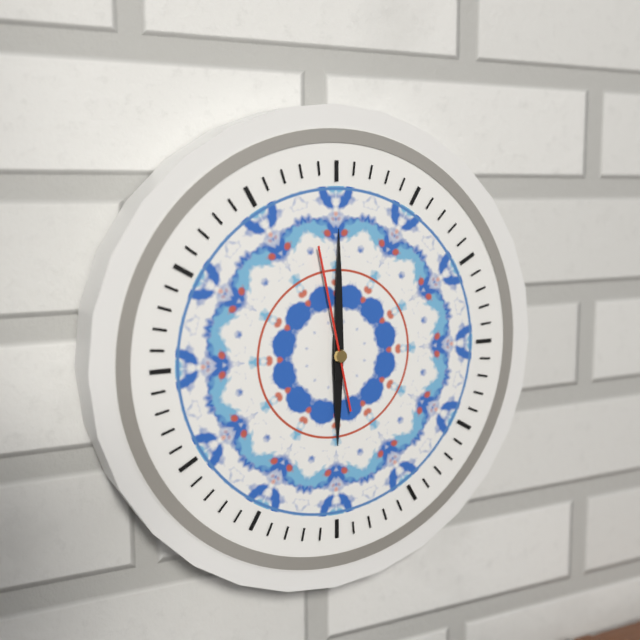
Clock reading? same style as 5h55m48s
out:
6h00m58s
